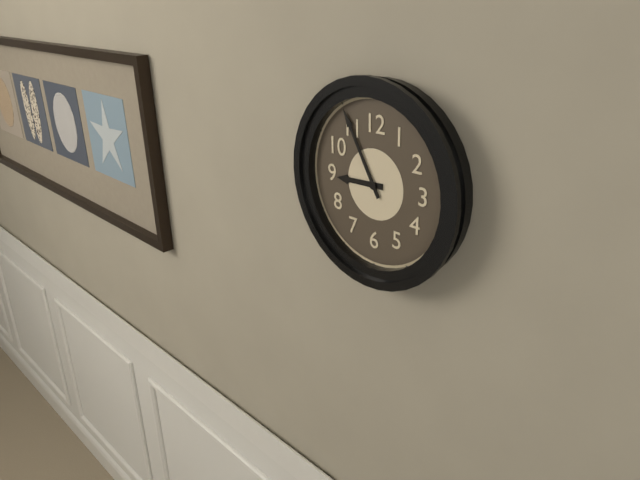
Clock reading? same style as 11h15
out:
8h55
